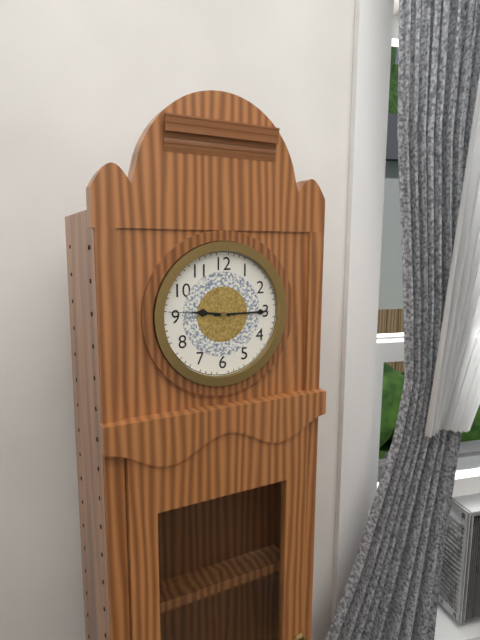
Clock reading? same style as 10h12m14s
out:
9h15m46s
